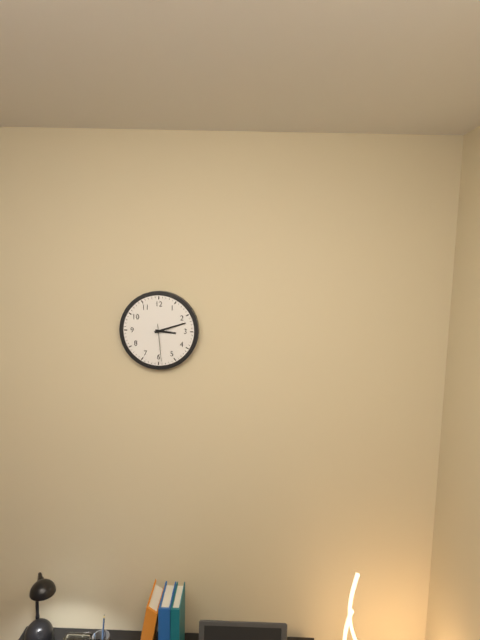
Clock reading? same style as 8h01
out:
3h12
